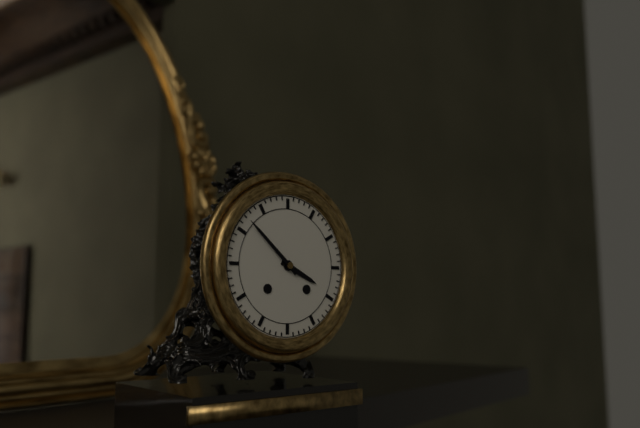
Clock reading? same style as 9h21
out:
3h52
